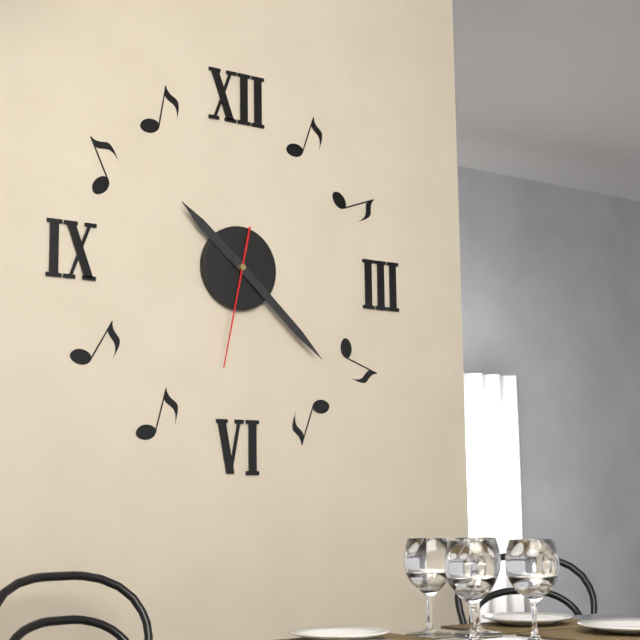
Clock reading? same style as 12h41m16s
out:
10h22m32s
